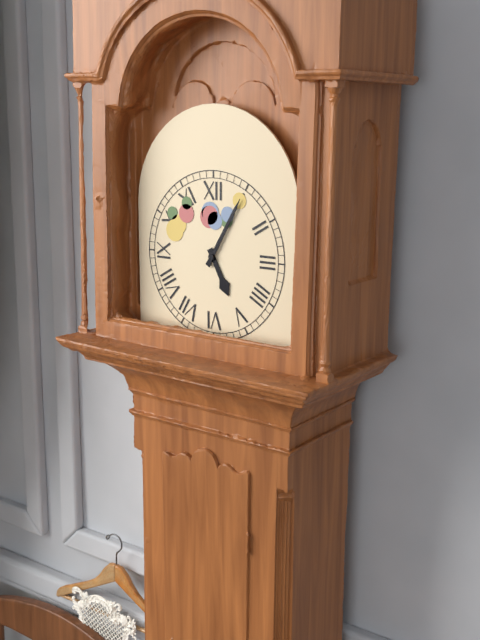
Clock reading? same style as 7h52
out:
5h05
